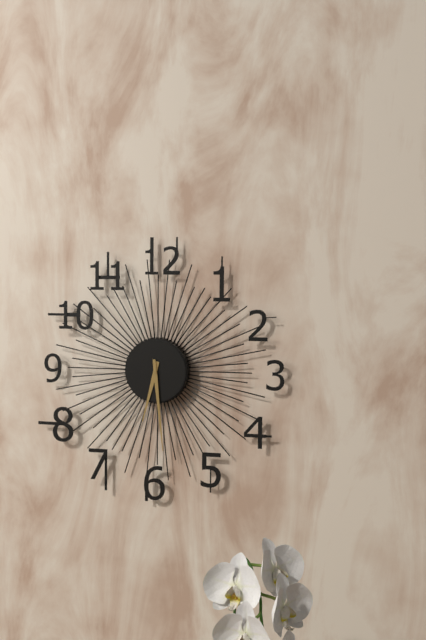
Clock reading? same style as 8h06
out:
6h29
